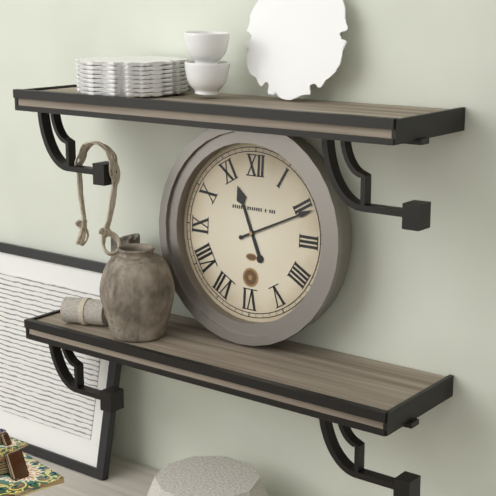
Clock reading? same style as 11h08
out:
11h11
